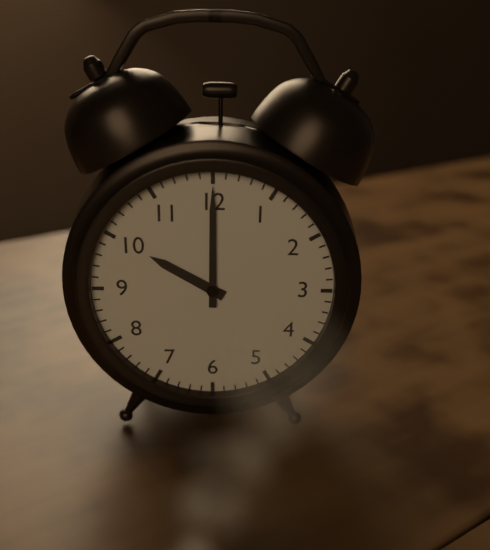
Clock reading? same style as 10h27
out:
10h00
